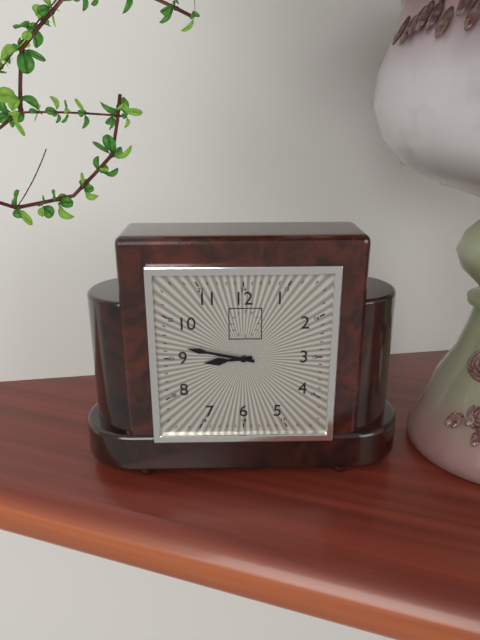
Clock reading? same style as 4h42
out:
8h47
